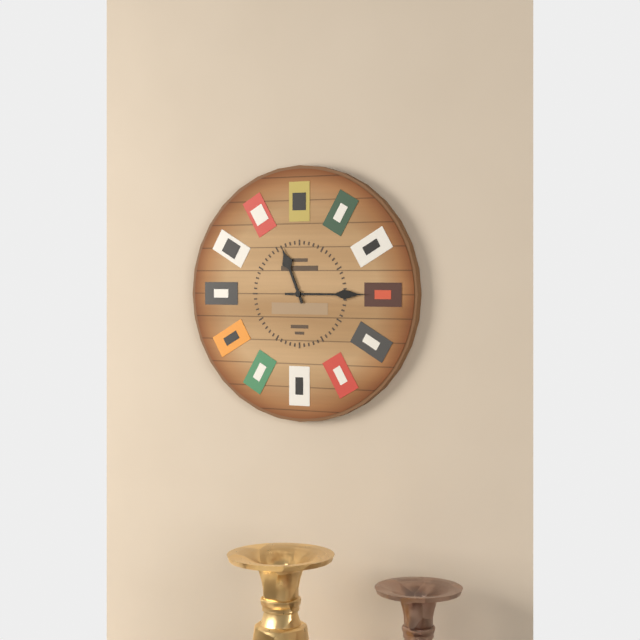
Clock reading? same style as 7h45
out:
11h15
